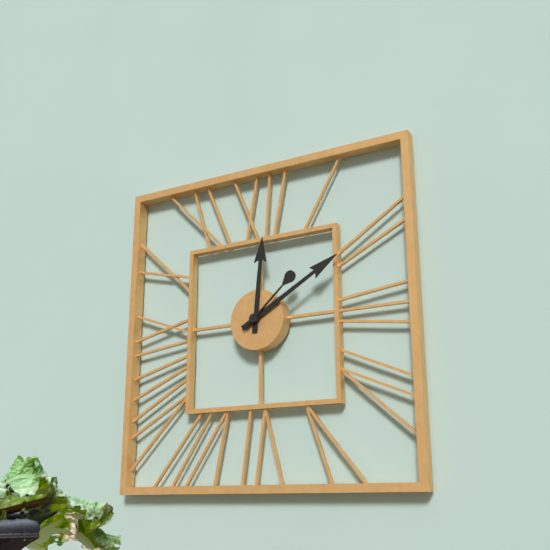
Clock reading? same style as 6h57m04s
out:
12h10m08s
